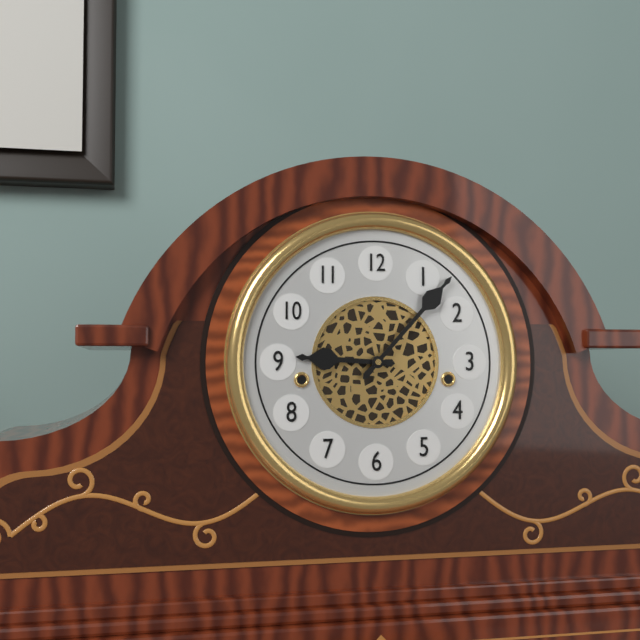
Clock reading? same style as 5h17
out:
9h07
